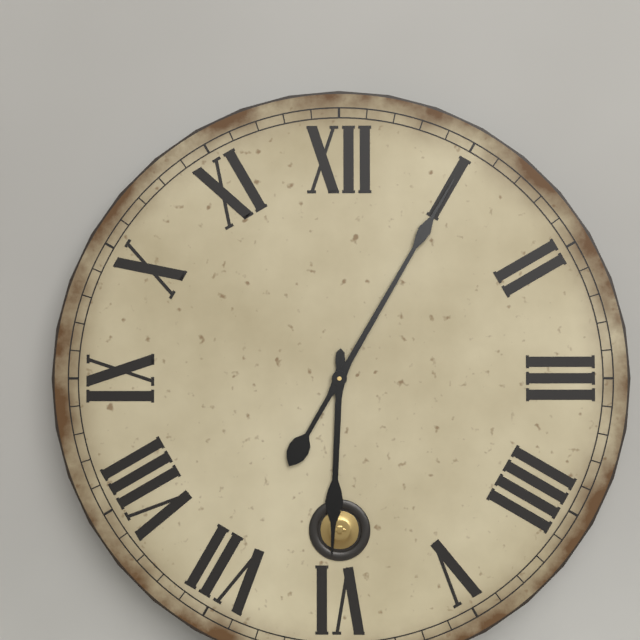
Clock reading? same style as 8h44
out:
6h05
